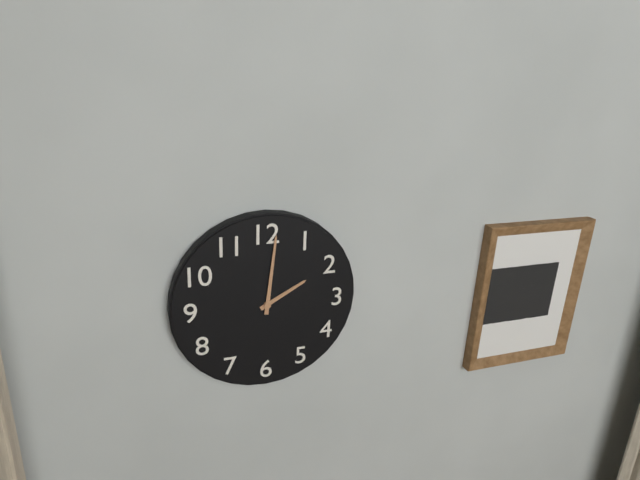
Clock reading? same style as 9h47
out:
2h01
